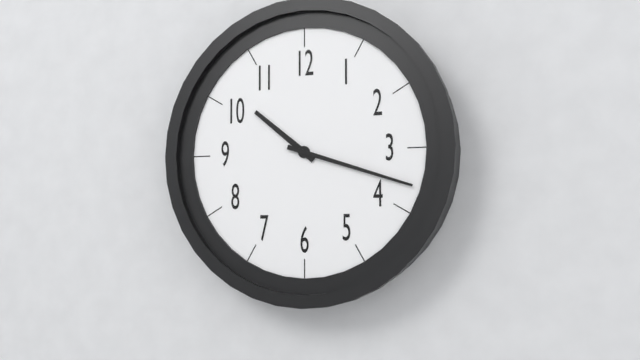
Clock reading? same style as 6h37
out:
10h18
